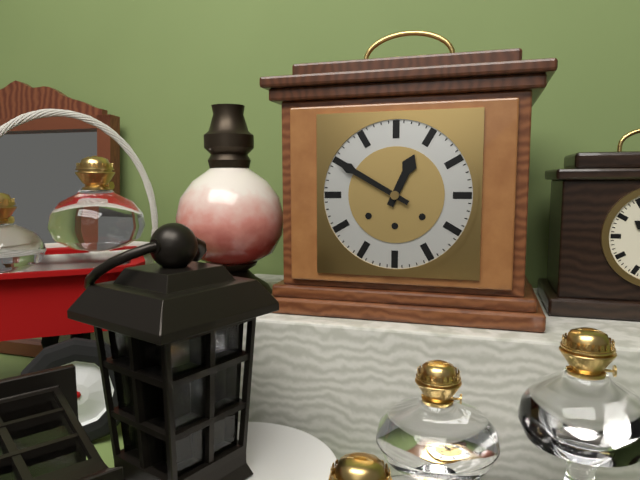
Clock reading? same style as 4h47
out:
12h50
